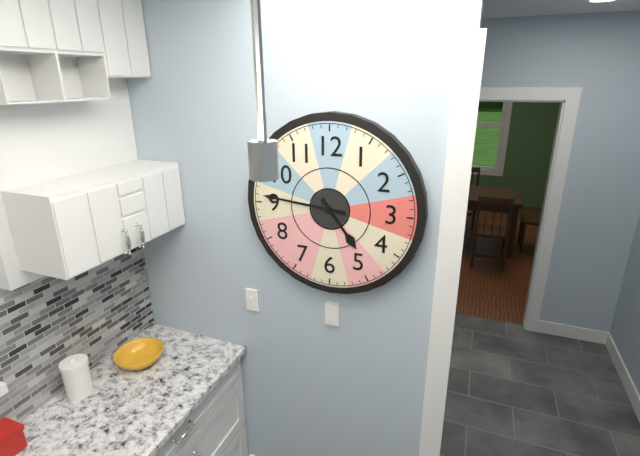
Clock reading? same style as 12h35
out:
4h46
